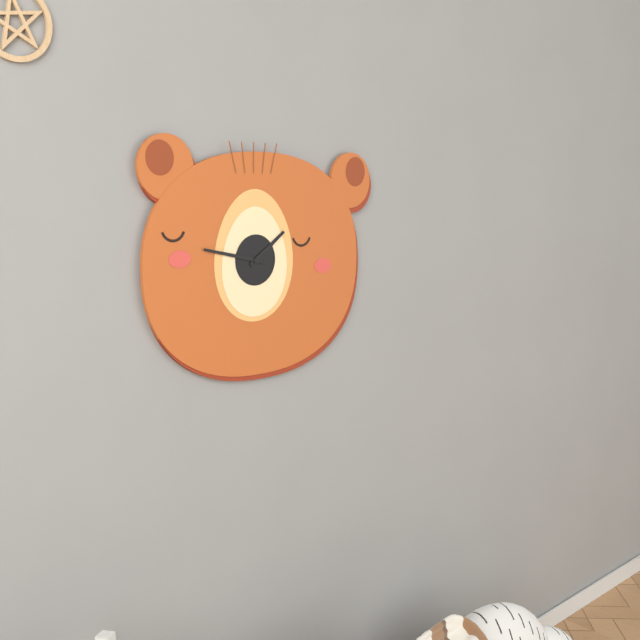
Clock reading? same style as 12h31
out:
1h47
